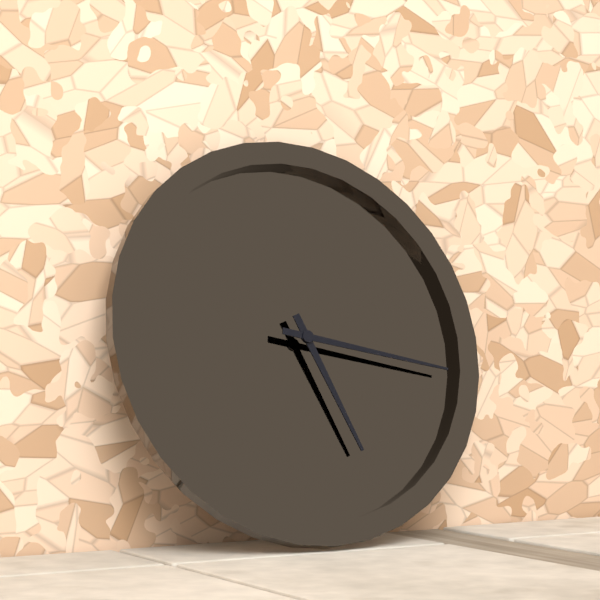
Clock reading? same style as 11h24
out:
5h17
